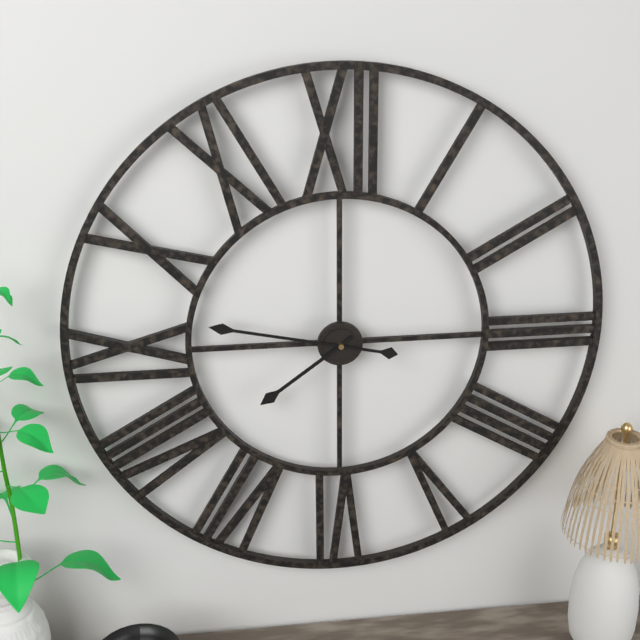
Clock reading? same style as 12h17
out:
7h47
